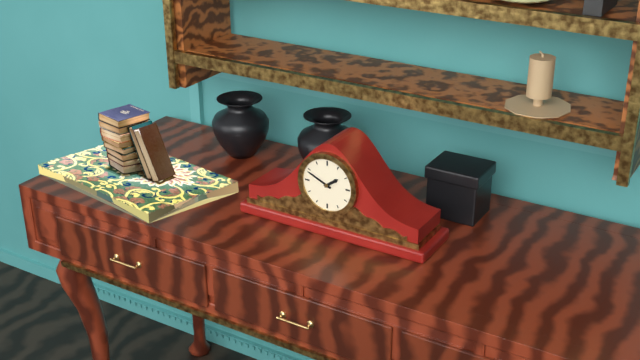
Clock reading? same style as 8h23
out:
1h49
